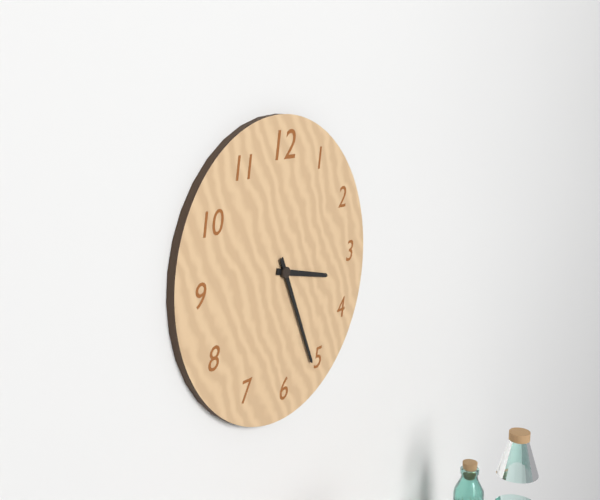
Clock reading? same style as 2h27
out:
3h26
